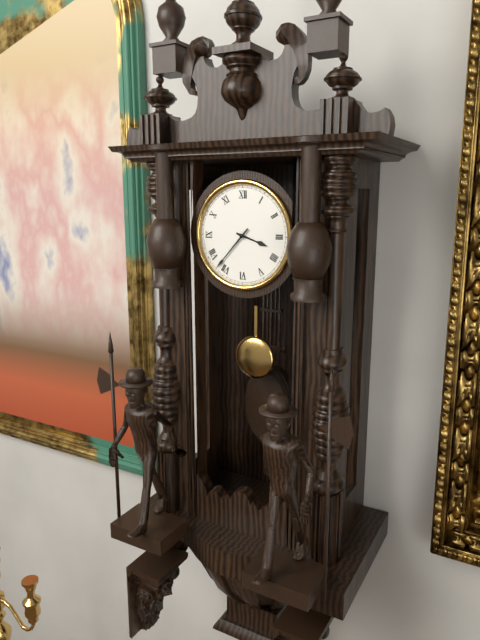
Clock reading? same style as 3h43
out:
3h37
